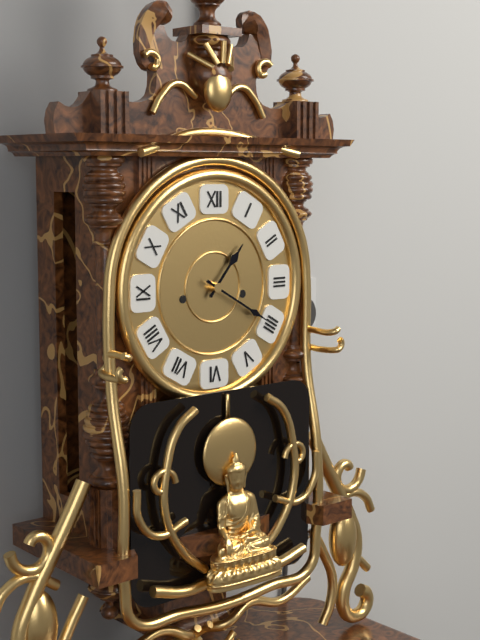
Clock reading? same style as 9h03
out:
1h20
